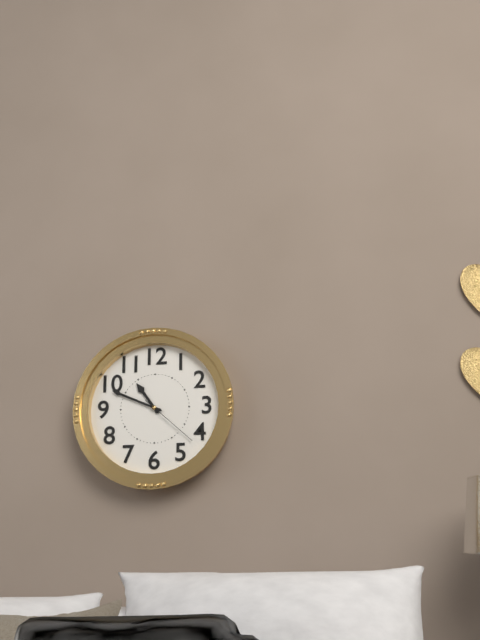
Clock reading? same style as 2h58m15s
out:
10h49m22s
